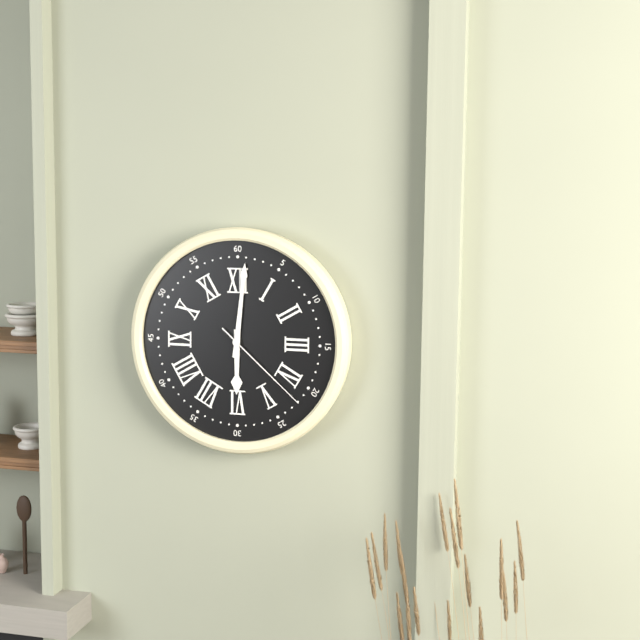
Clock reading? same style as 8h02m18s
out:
6h01m22s
